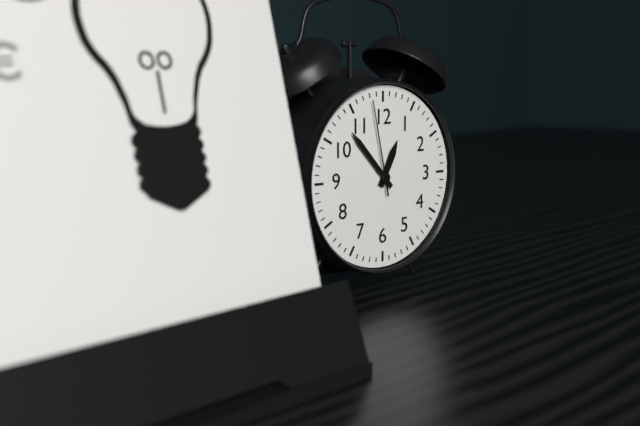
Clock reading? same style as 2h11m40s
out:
12h53m58s
